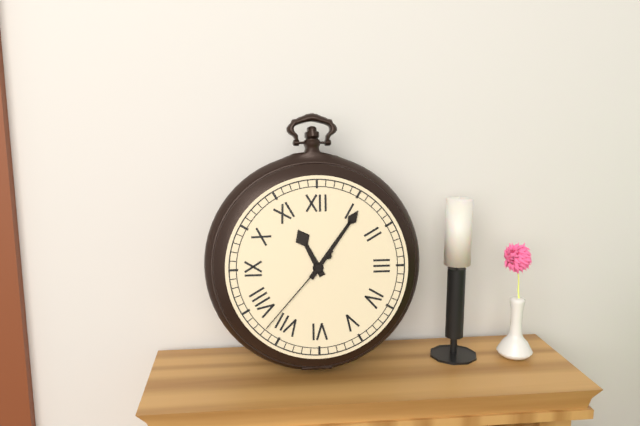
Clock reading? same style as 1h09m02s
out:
11h06m37s
